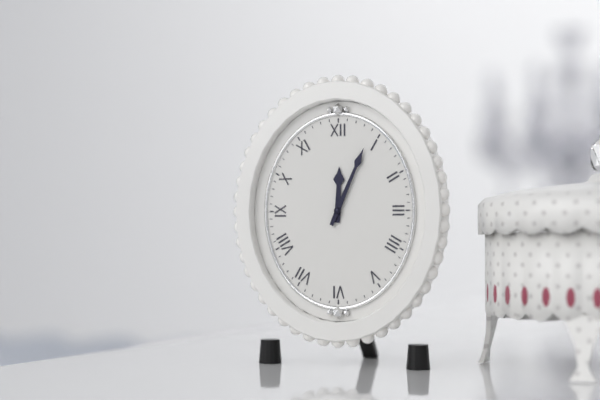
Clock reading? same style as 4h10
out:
12h04
